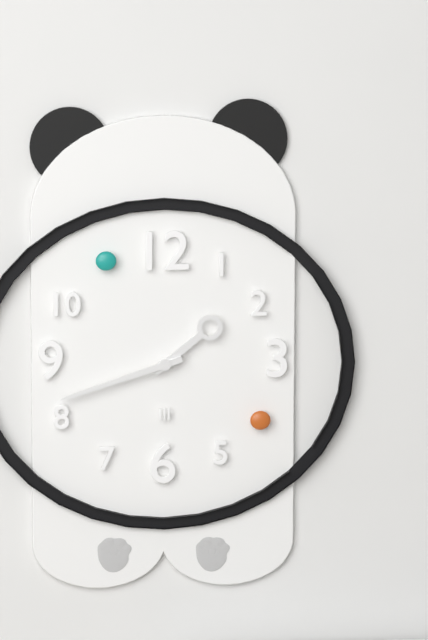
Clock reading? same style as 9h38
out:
1h42
